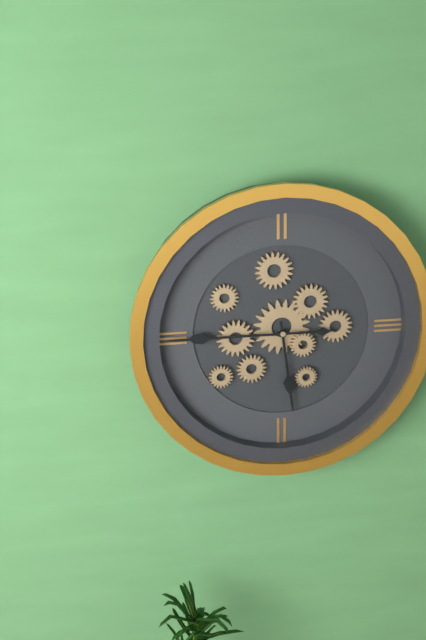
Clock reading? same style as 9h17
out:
5h45
